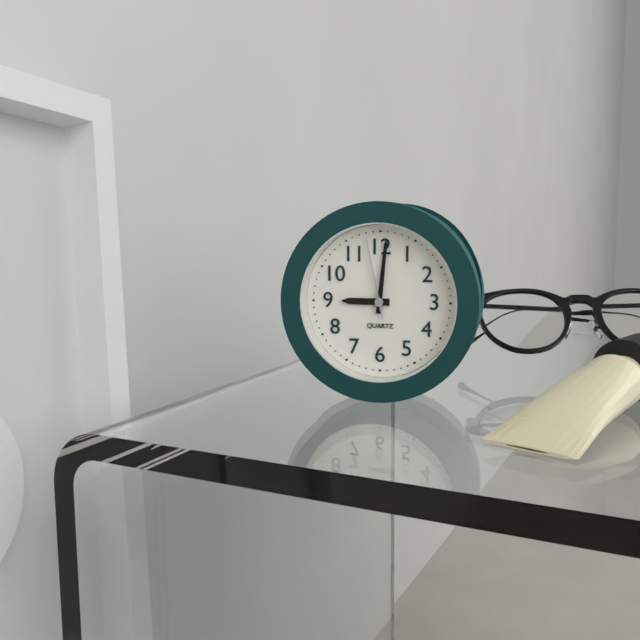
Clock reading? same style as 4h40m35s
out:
9h01m58s
